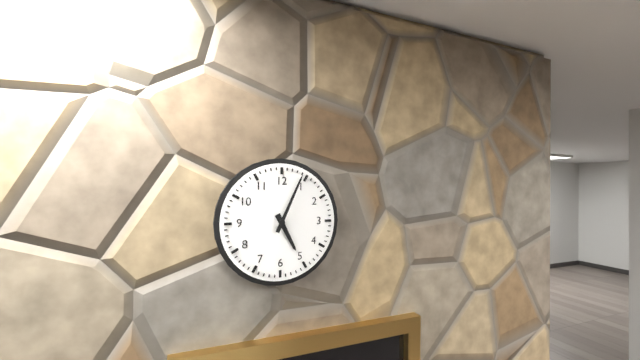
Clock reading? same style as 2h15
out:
5h04
